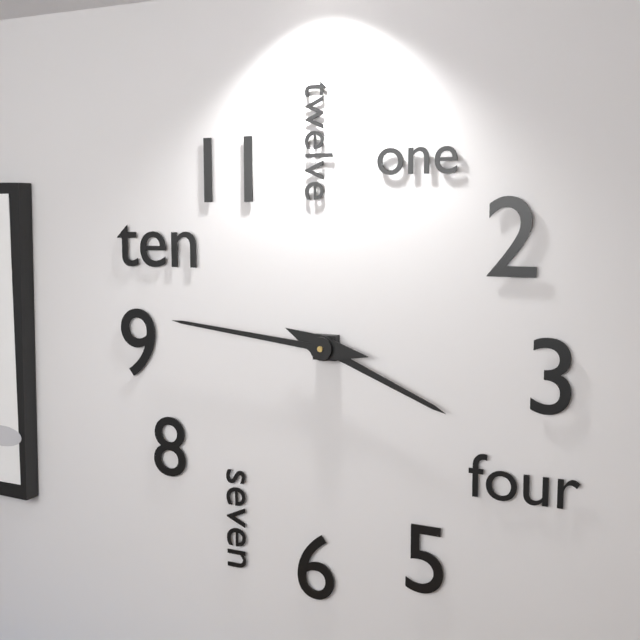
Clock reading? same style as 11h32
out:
3h46
